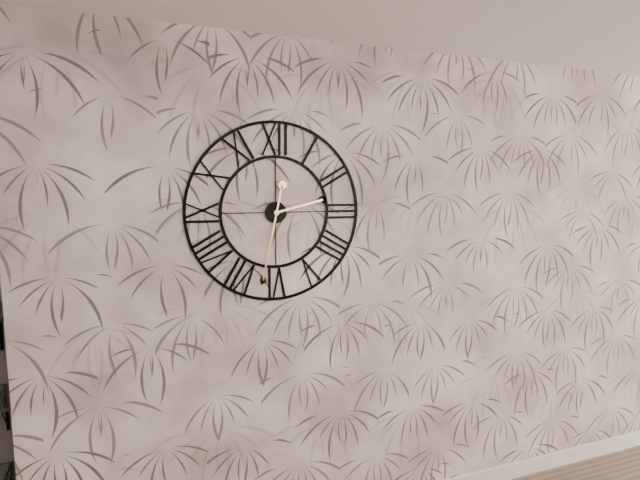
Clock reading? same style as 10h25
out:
2h32
